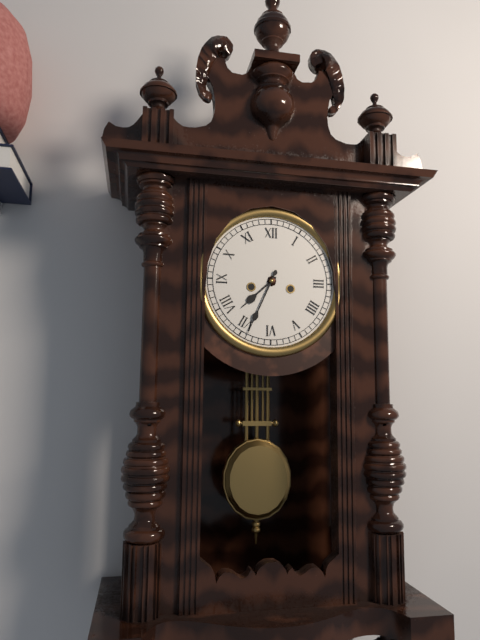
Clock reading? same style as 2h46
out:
7h34
